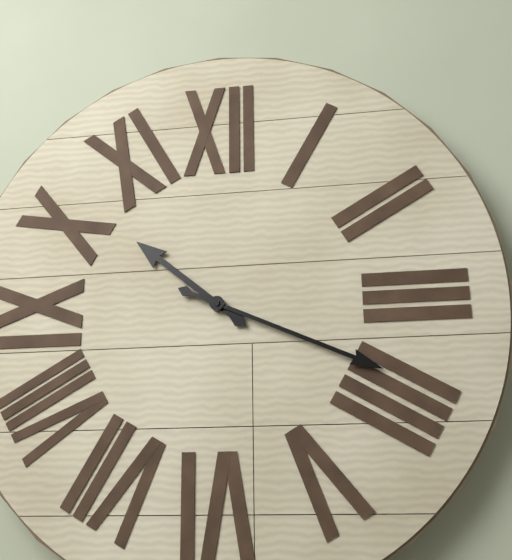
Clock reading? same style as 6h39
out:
10h19
